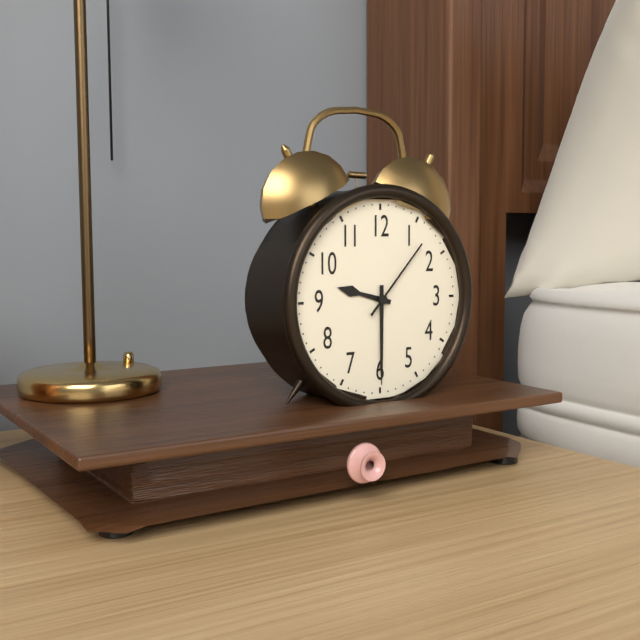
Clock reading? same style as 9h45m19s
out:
9h30m07s
